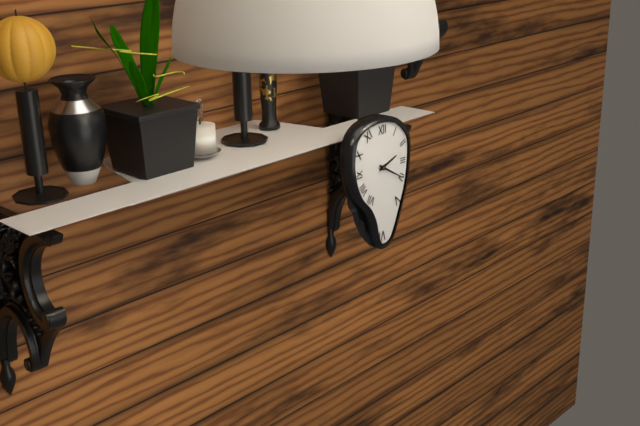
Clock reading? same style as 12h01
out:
2h20
